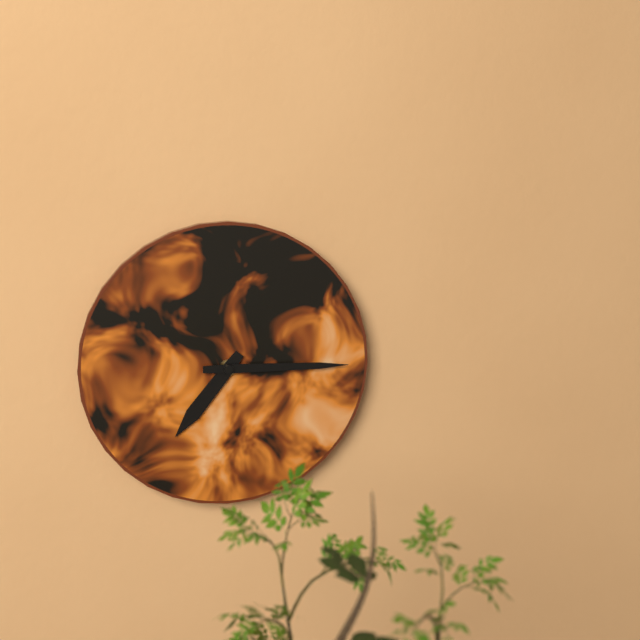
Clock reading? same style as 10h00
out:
7h15
